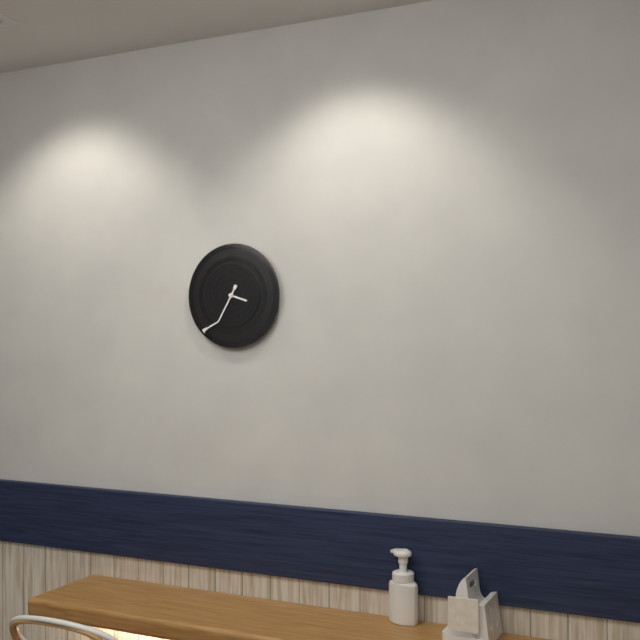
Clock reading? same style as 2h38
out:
3h35
